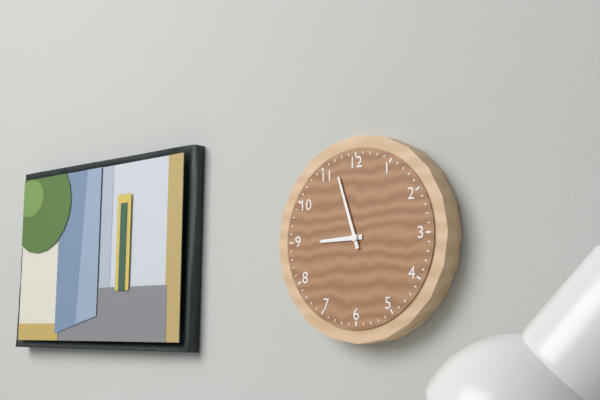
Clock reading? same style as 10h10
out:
8h57
